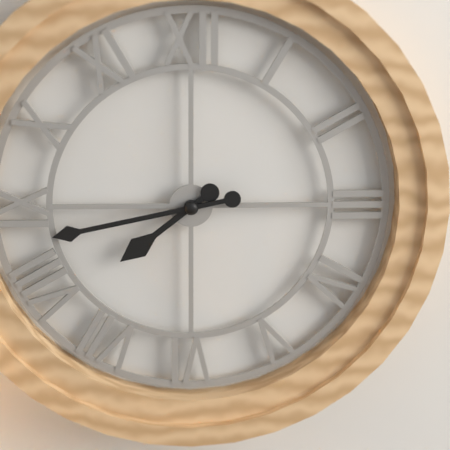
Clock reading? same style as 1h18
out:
7h43
